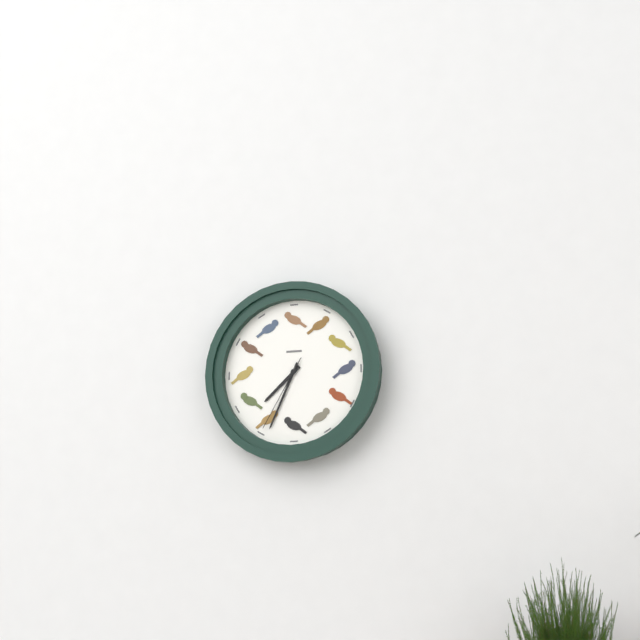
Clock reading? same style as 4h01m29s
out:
7h34m35s
